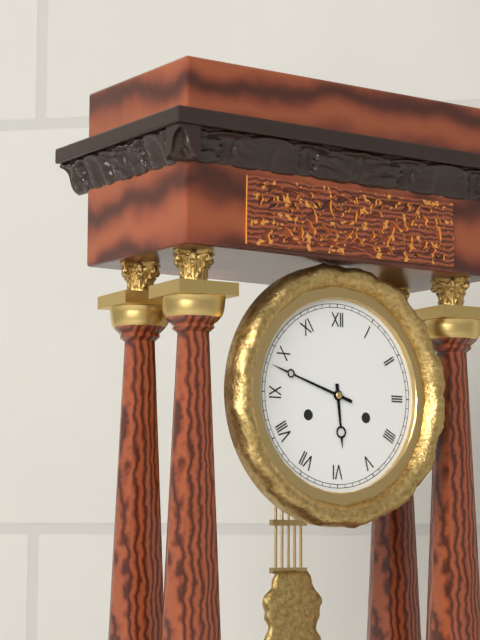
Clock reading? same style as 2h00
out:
5h48
